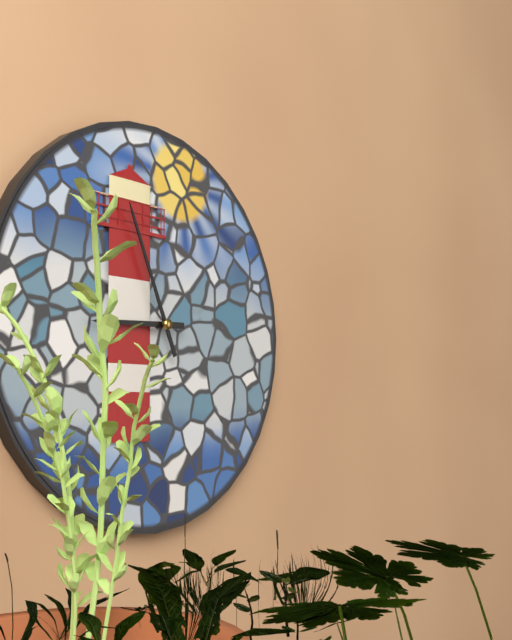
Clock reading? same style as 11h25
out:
8h56
